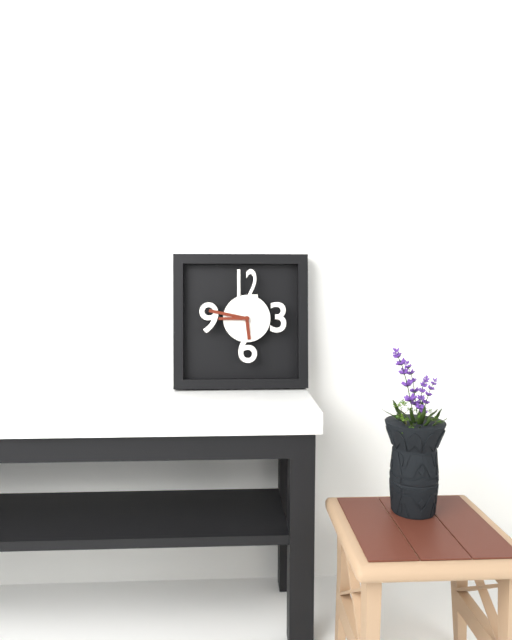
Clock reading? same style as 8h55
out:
5h47
